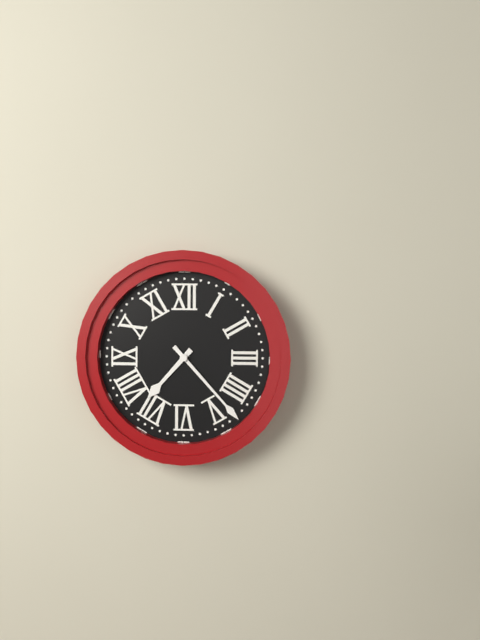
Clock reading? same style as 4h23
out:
7h23
